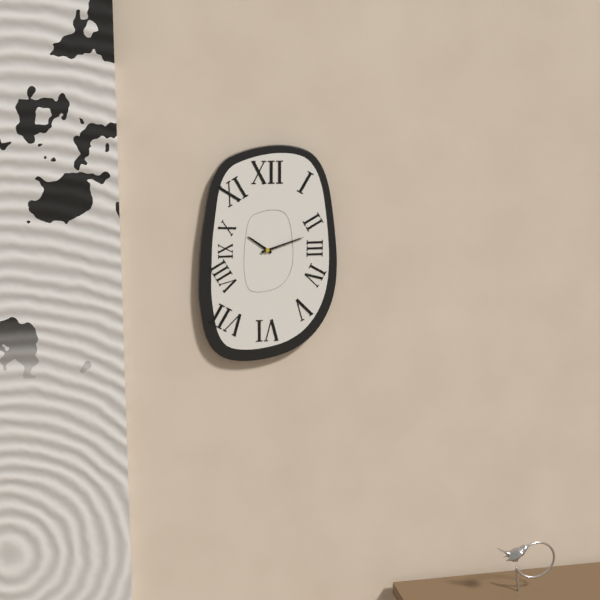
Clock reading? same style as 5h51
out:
10h12
